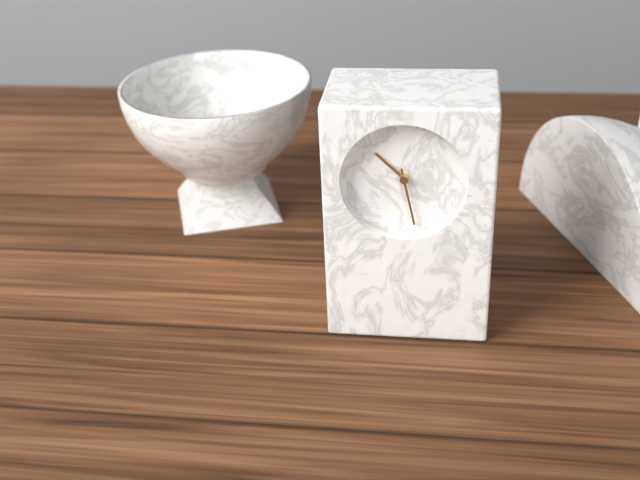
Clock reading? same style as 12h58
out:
10h28
